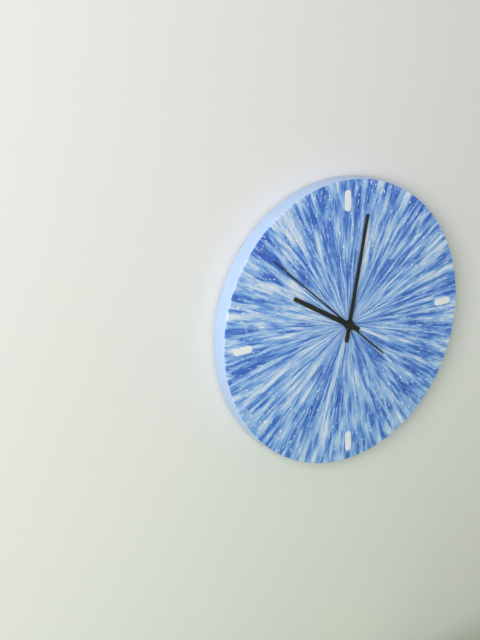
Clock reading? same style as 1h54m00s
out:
10h02m52s
